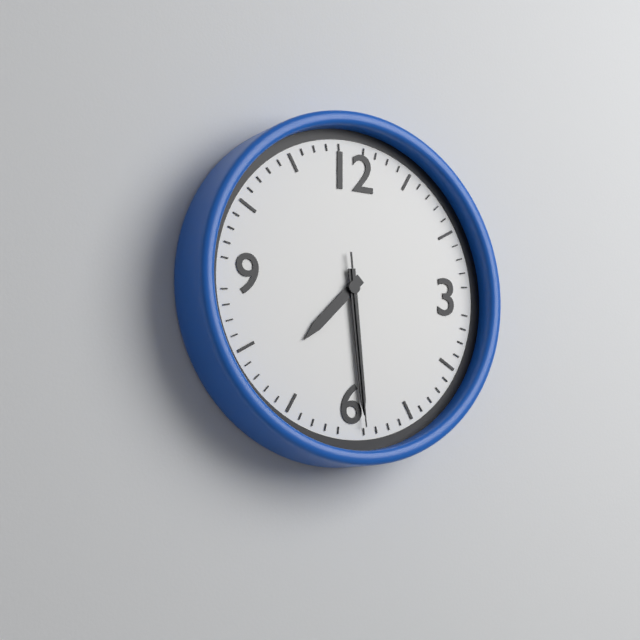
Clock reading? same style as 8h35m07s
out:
7h29m29s
